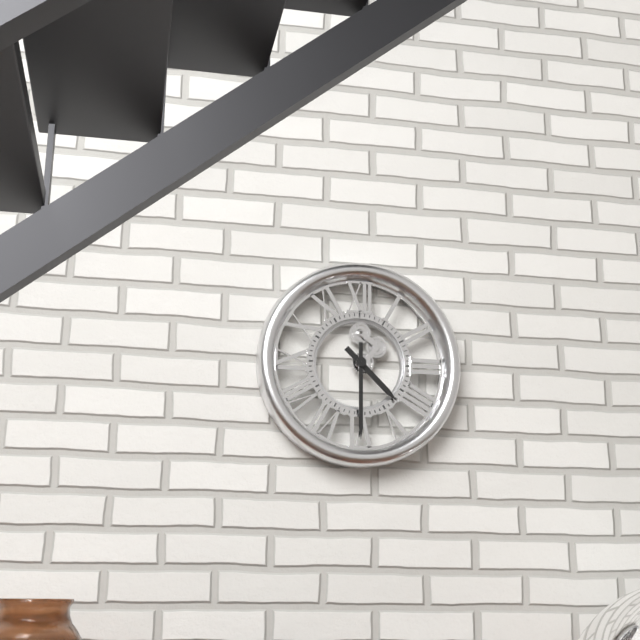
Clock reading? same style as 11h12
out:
4h30
